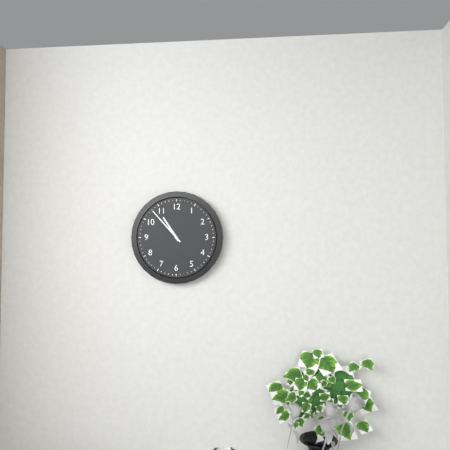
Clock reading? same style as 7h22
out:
10h53
